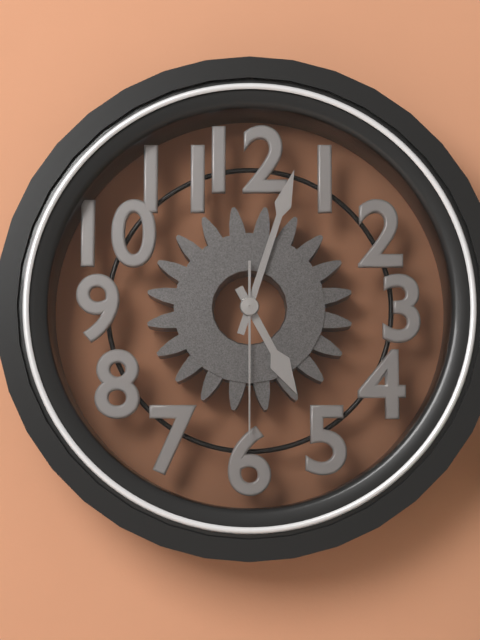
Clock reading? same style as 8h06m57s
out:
5h03m30s
